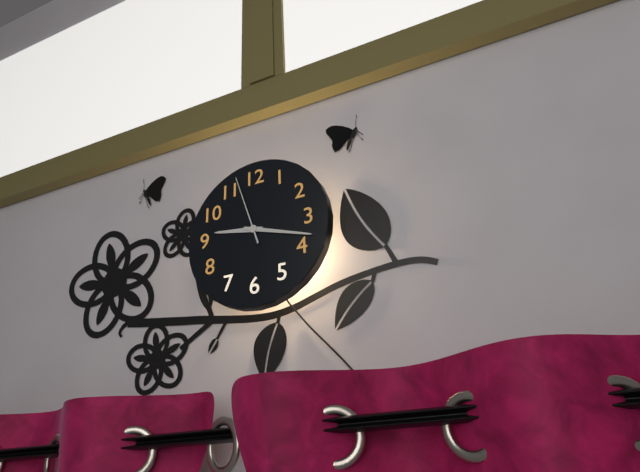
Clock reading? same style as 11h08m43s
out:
9h18m57s
